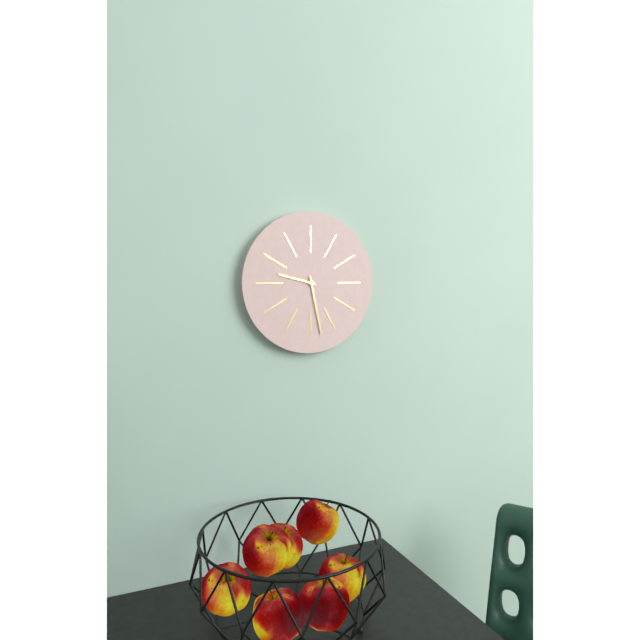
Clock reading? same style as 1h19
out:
9h28
